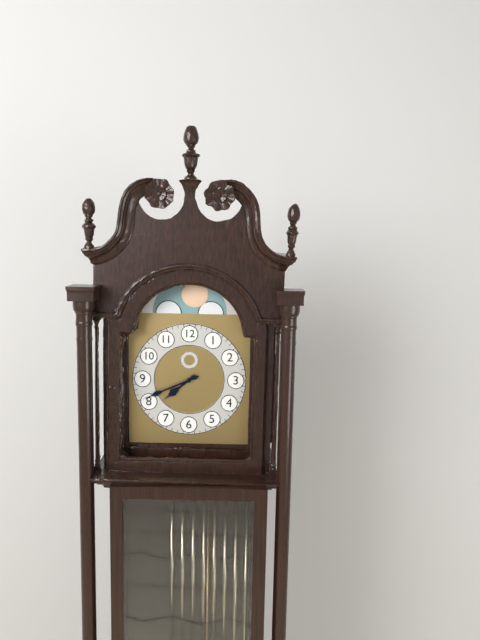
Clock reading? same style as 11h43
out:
7h41
